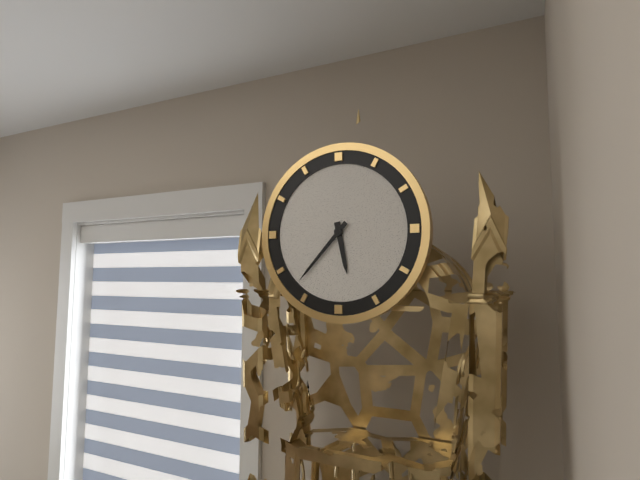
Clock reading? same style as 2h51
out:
5h37
